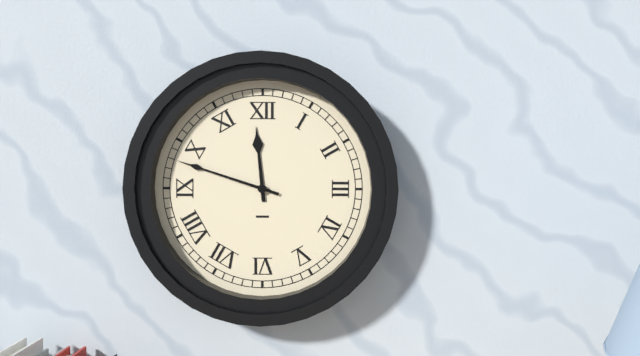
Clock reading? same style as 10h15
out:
11h48
